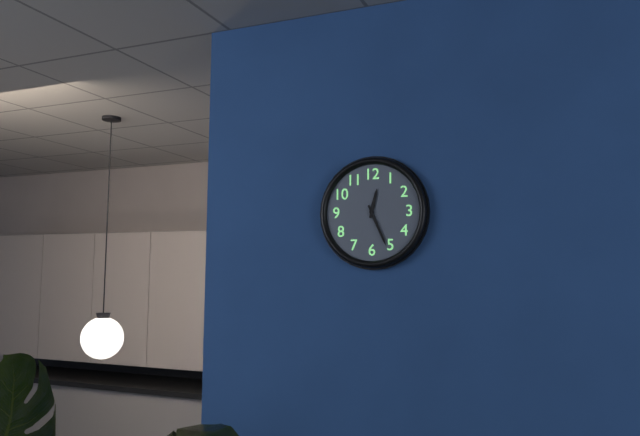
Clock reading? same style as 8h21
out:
12h26
